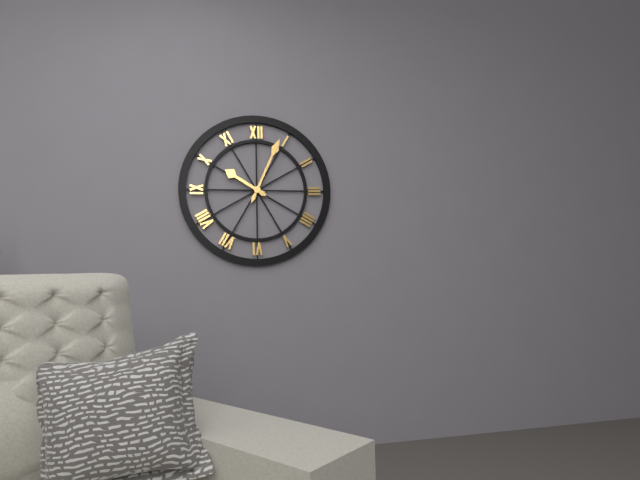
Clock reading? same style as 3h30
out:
10h04
